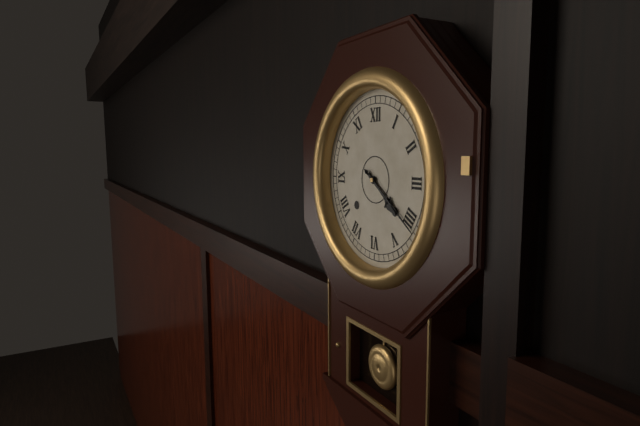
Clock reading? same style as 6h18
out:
4h21
